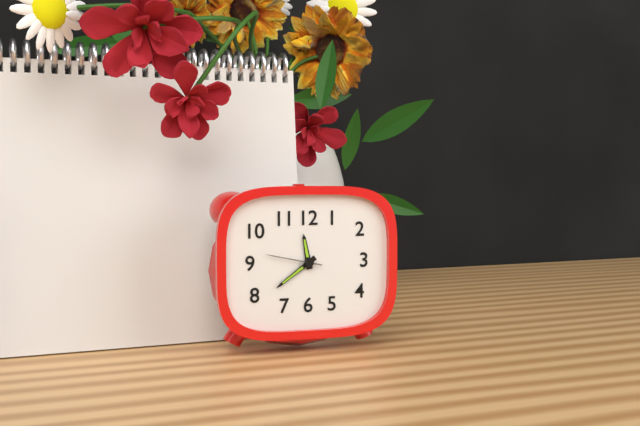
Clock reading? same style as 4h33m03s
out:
11h39m47s
